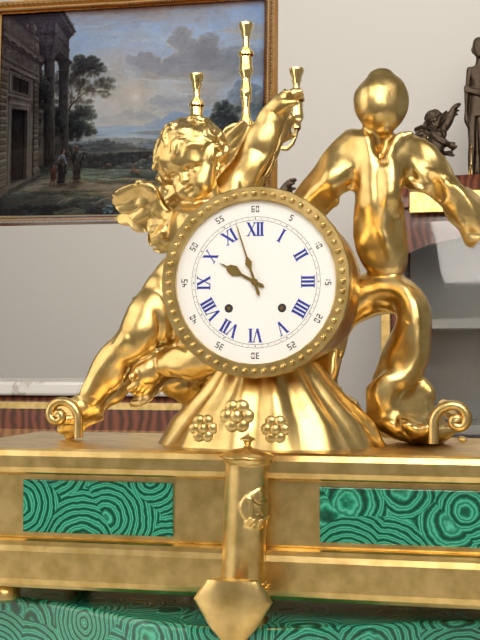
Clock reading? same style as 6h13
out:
9h57
